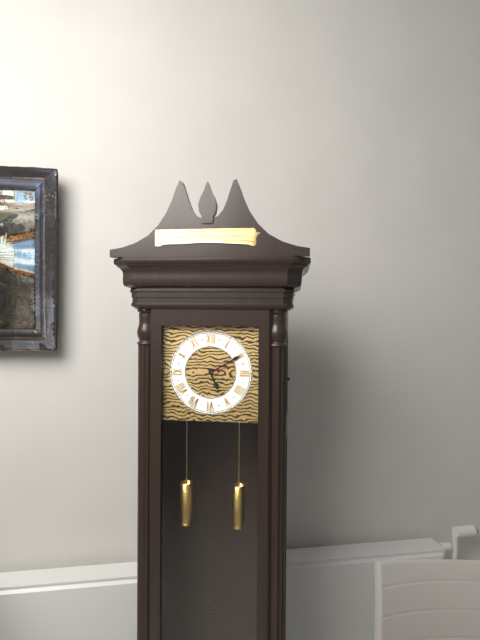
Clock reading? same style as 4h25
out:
5h10
